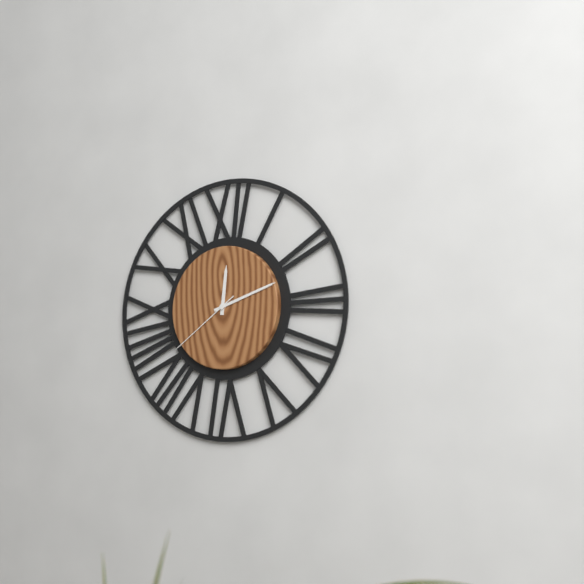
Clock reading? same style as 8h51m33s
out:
12h12m39s
